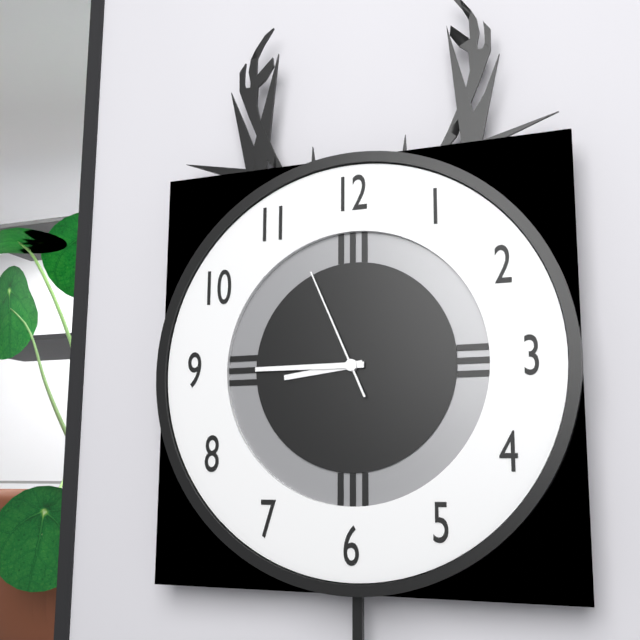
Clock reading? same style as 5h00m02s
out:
8h45m56s
